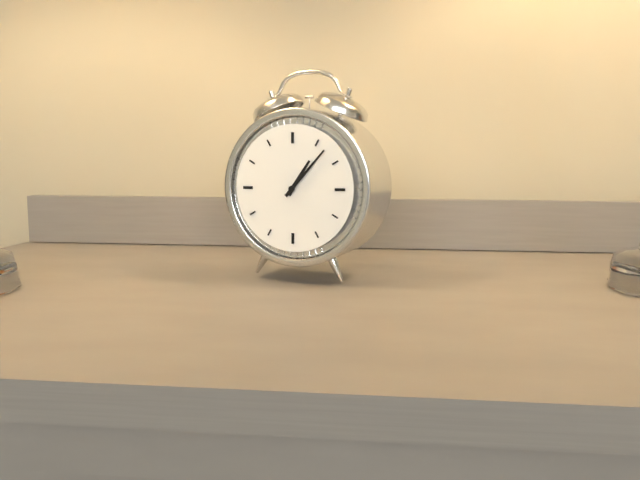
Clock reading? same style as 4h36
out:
1h07
